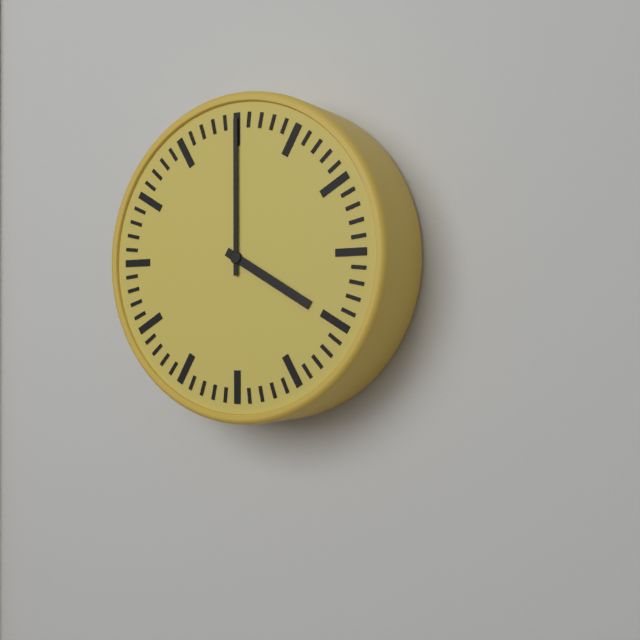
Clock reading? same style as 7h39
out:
4h00
